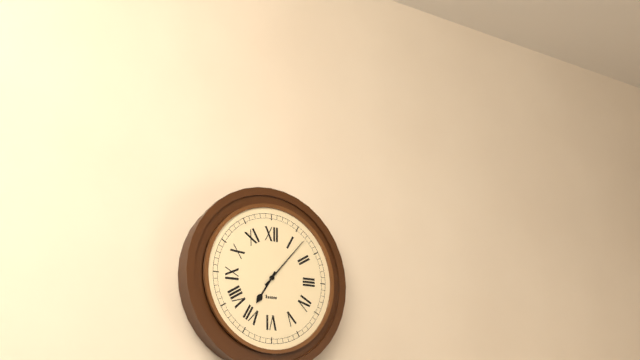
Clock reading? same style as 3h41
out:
7h07
